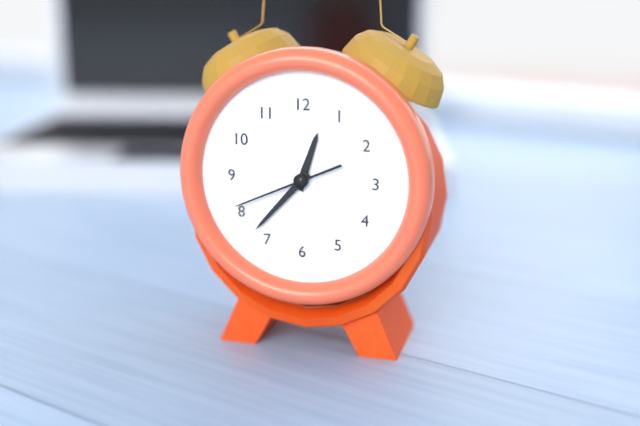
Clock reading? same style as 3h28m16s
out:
12h37m41s
